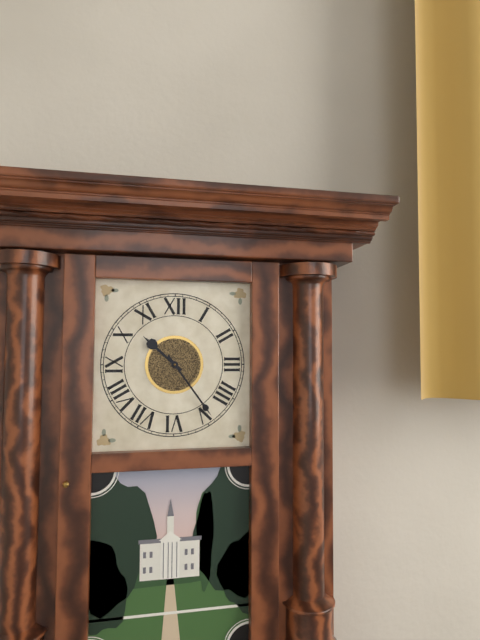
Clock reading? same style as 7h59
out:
10h24
